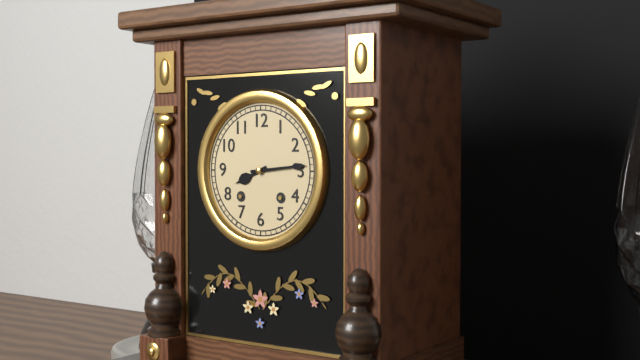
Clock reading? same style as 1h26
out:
8h14
